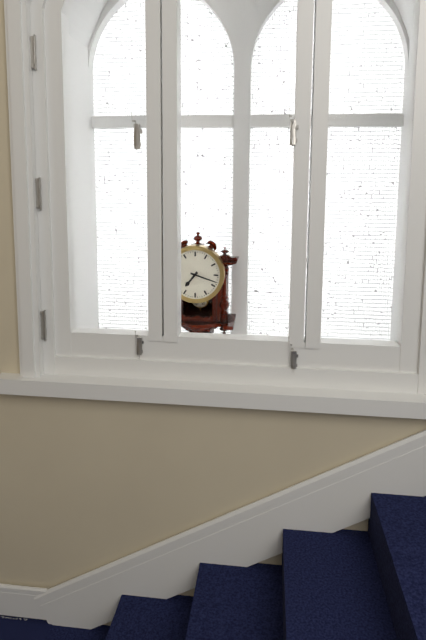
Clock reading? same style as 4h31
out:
7h18
